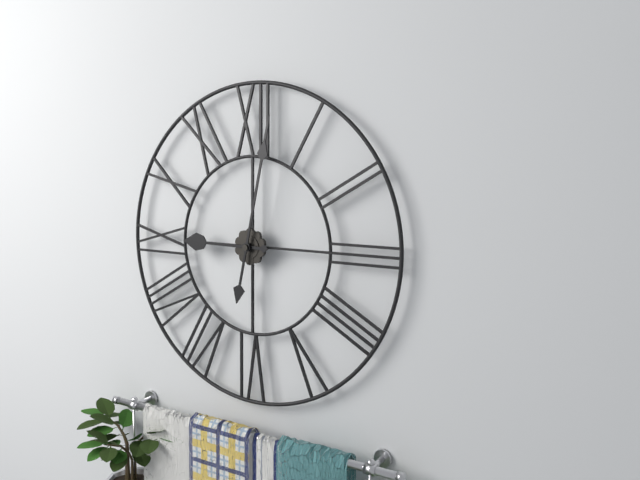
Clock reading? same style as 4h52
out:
9h02
